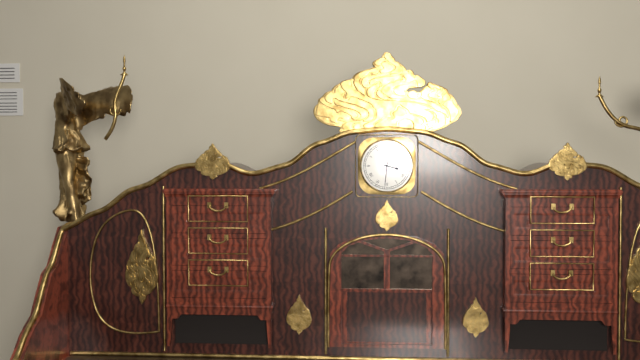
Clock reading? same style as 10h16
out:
3h31
